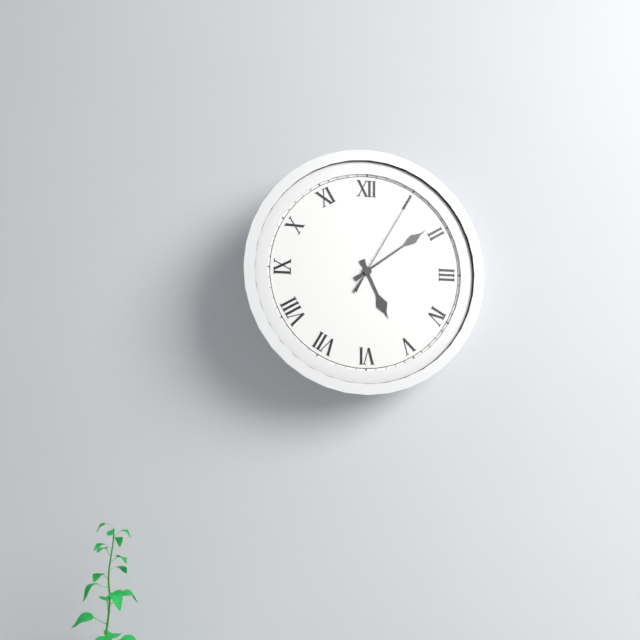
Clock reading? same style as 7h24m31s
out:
5h09m05s
